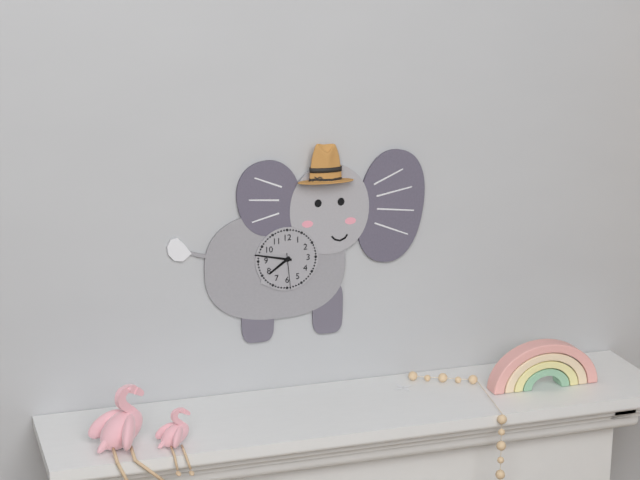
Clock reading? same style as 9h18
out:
7h47
